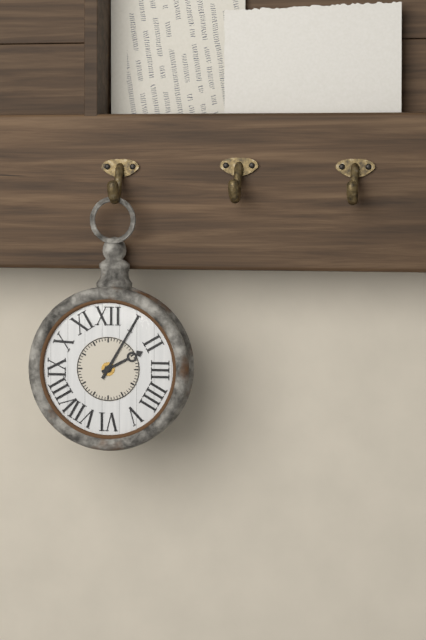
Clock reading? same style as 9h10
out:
2h05
